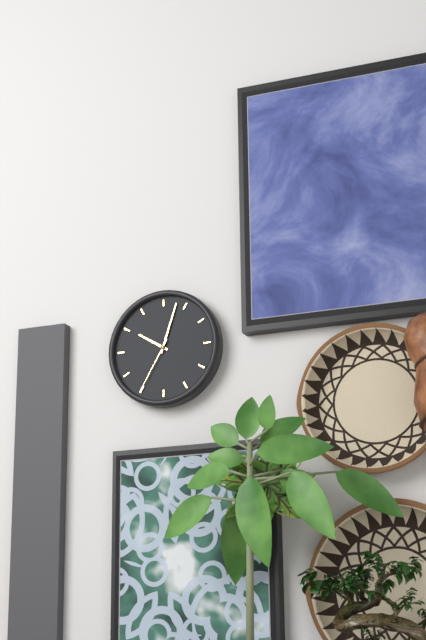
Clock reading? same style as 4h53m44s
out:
10h03m35s
